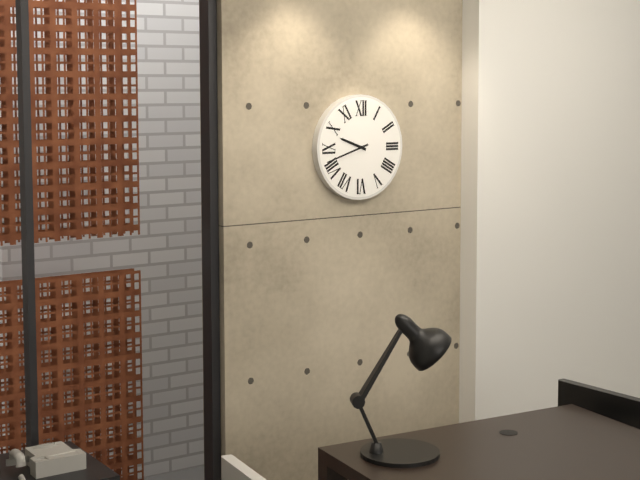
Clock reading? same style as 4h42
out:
9h42
